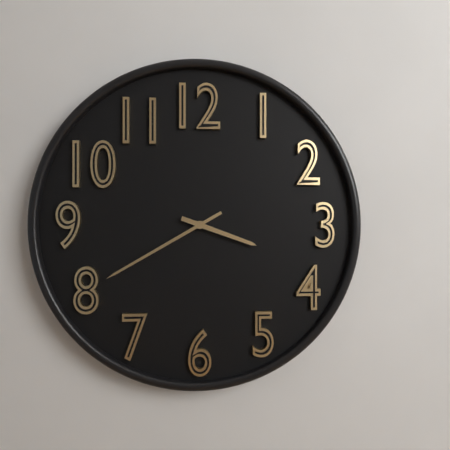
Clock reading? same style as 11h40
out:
3h40
